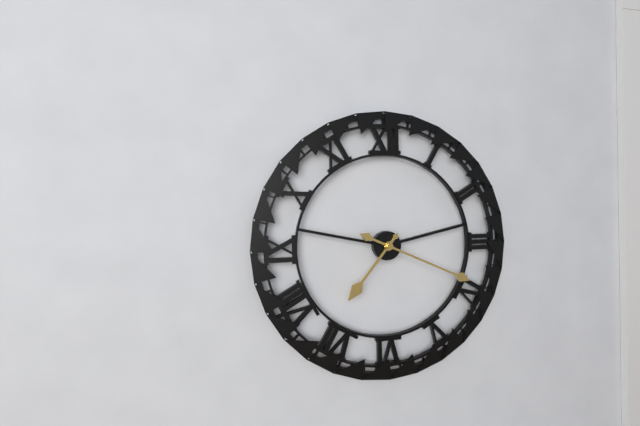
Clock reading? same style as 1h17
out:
7h19
